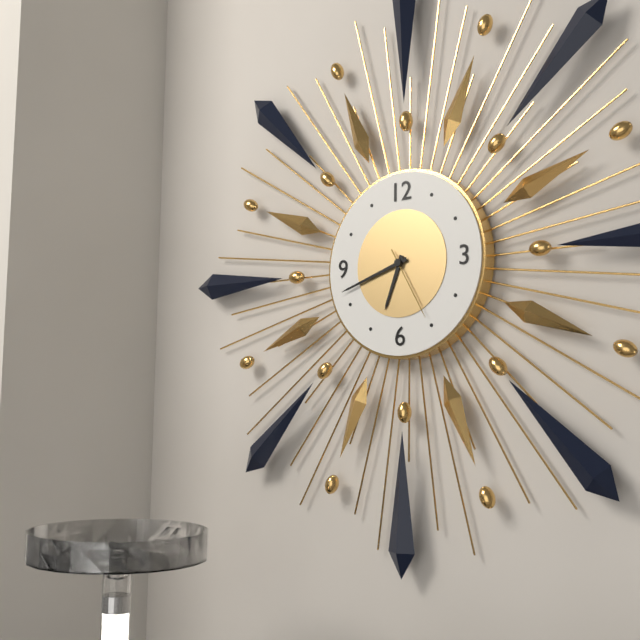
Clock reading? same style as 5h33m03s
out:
6h42m25s
